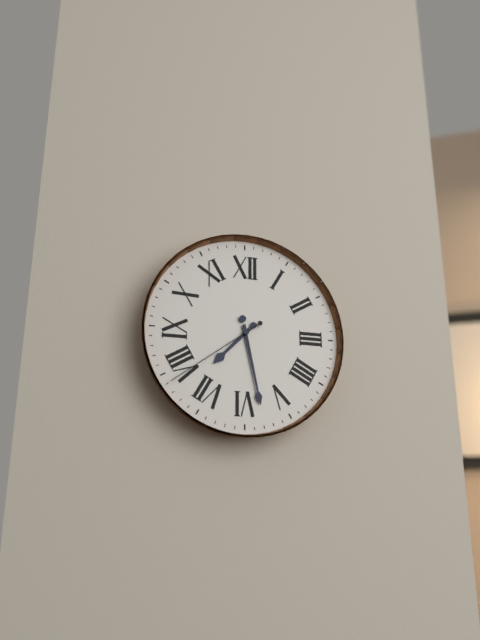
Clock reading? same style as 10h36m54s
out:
7h28m39s
